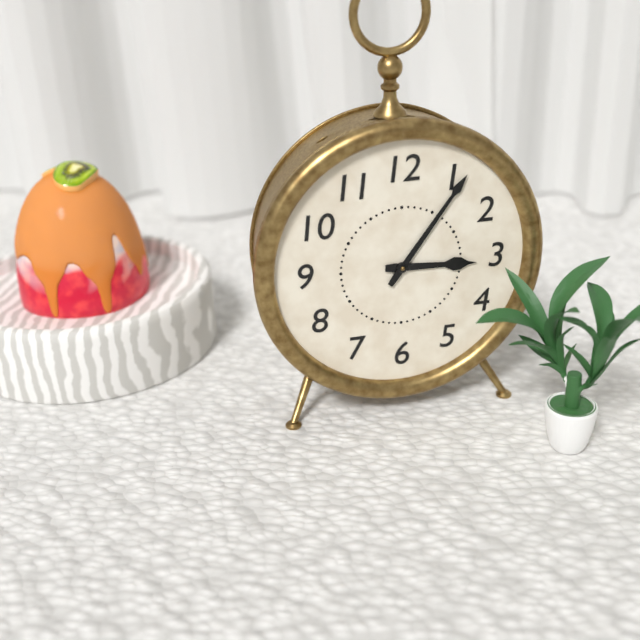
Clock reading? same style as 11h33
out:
3h06
